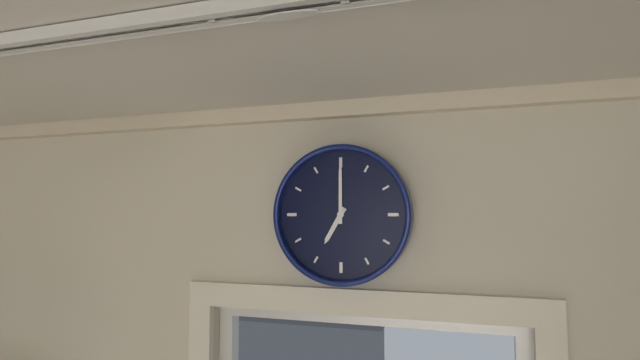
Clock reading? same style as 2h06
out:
7h00
